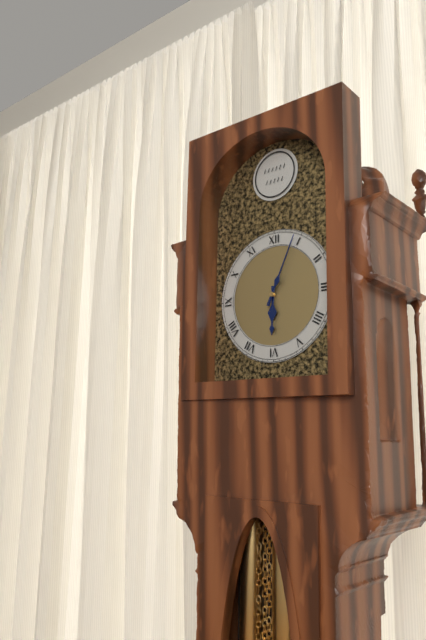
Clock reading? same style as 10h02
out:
6h04
